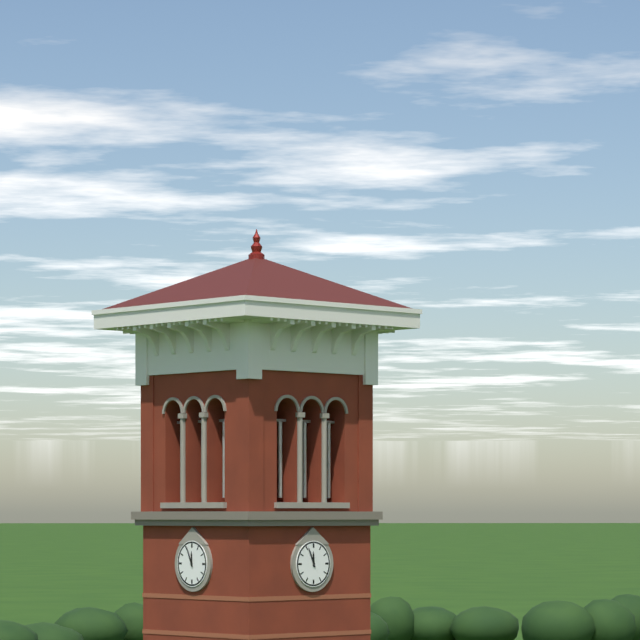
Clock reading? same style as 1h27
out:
11h56
